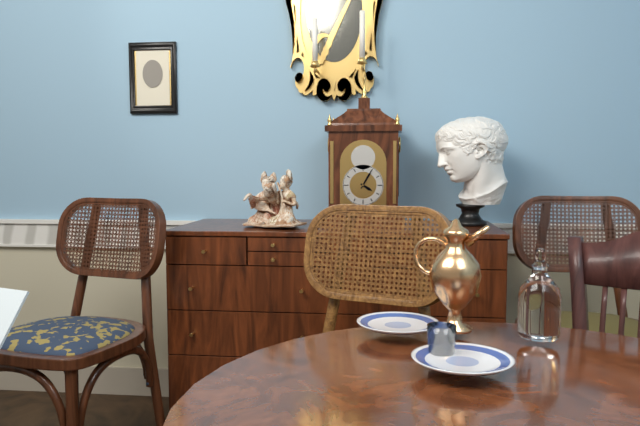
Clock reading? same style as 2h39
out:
4h05
